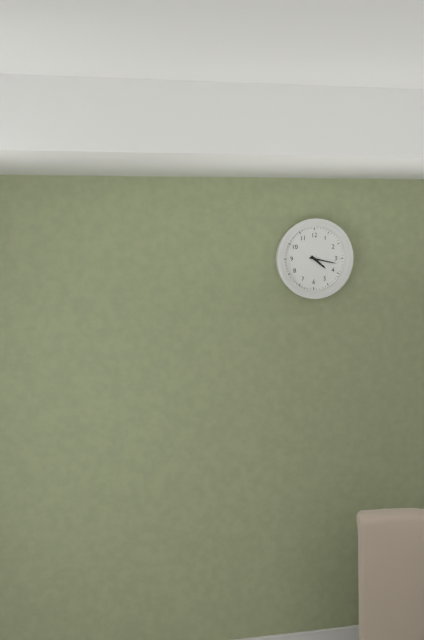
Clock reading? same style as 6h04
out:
4h17
